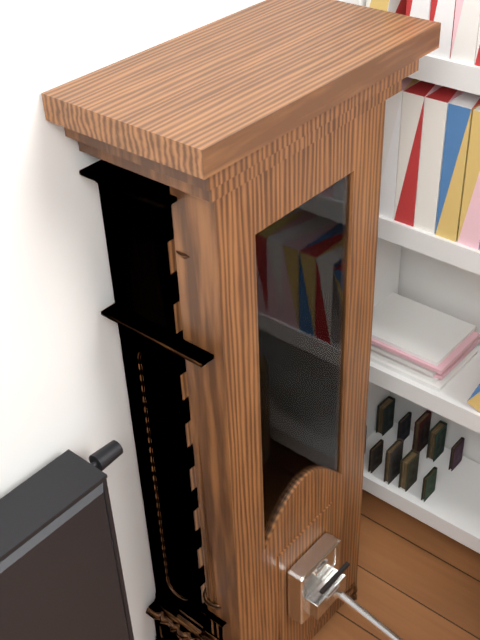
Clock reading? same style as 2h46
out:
6h39
